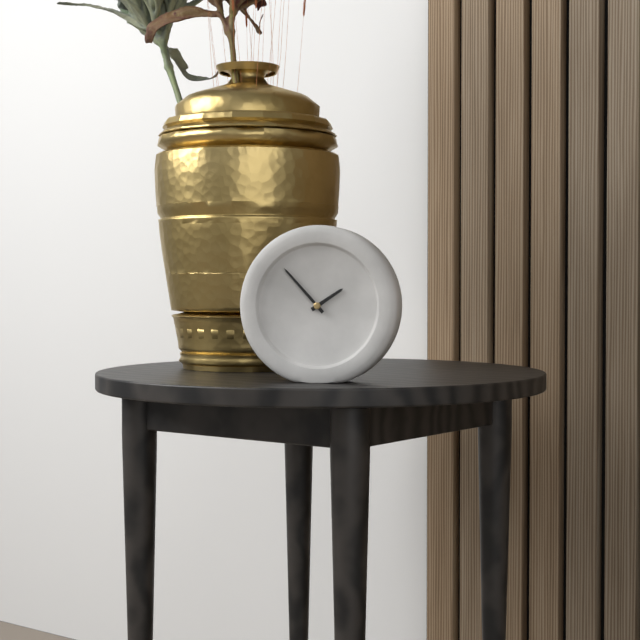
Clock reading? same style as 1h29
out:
1h53
